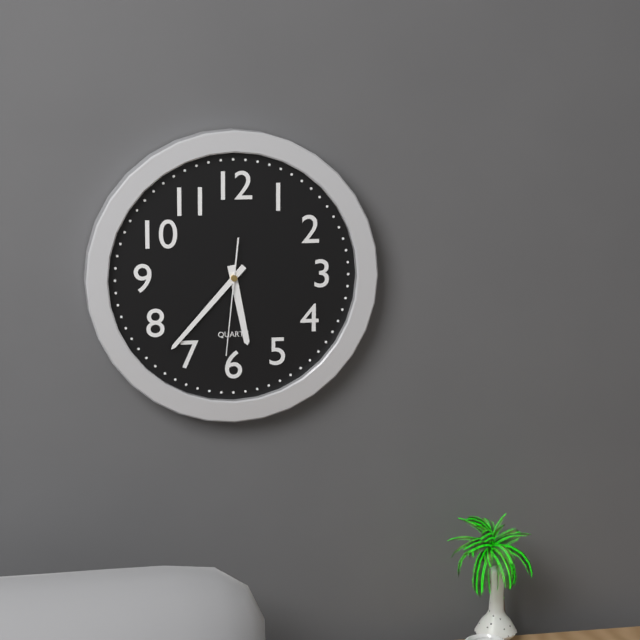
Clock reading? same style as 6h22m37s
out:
5h37m31s
